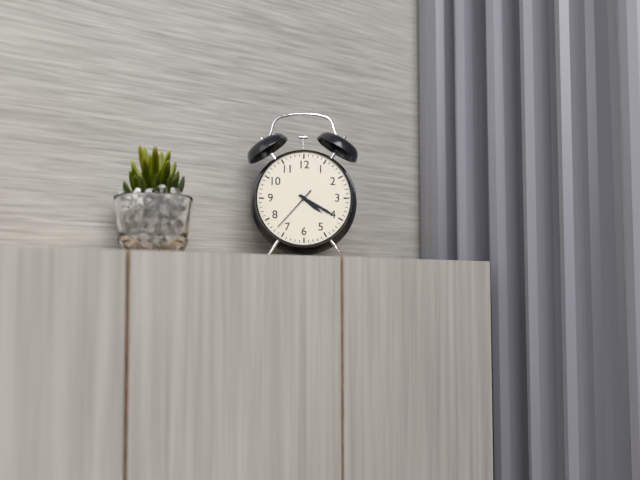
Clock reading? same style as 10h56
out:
4h20
